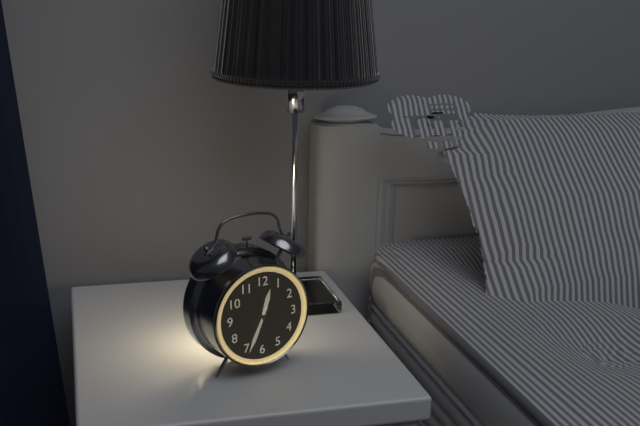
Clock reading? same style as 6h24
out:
12h34
